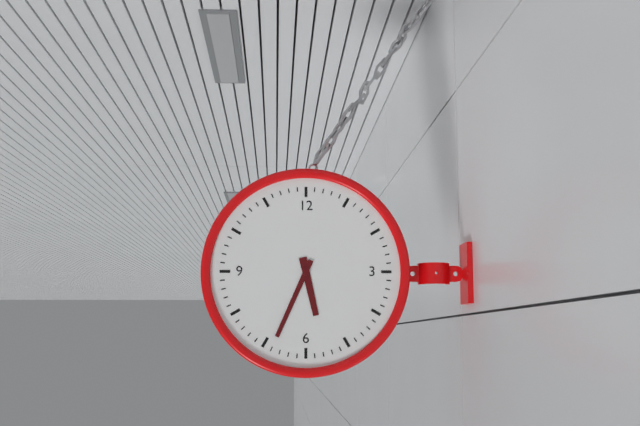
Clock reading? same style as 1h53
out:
5h34
